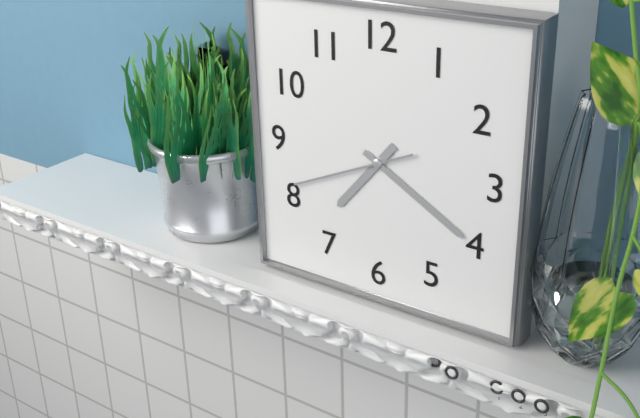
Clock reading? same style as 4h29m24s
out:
7h20m41s
